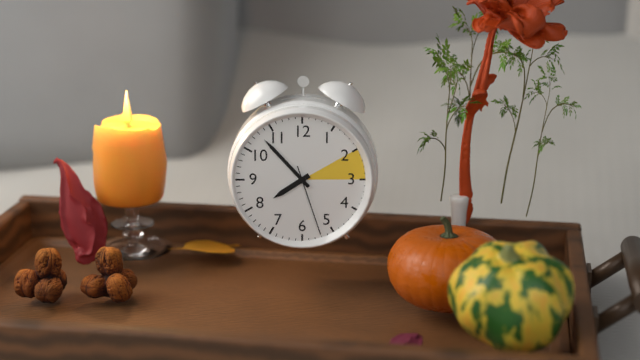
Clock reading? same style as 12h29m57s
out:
7h53m27s
